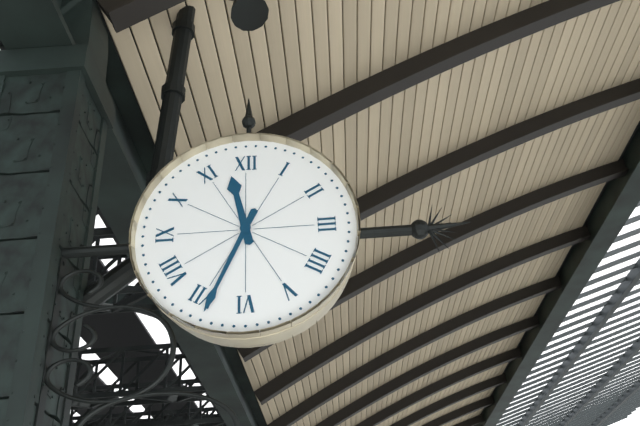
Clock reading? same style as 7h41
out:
11h34
